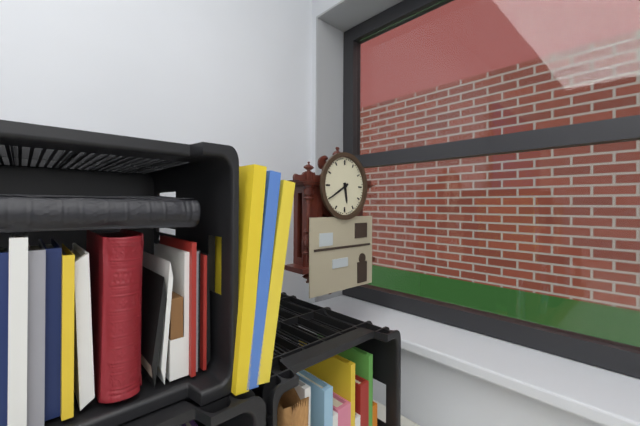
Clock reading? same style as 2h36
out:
5h40
